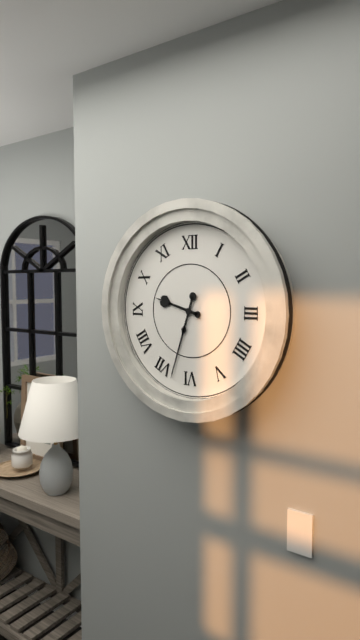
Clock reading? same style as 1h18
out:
9h33
